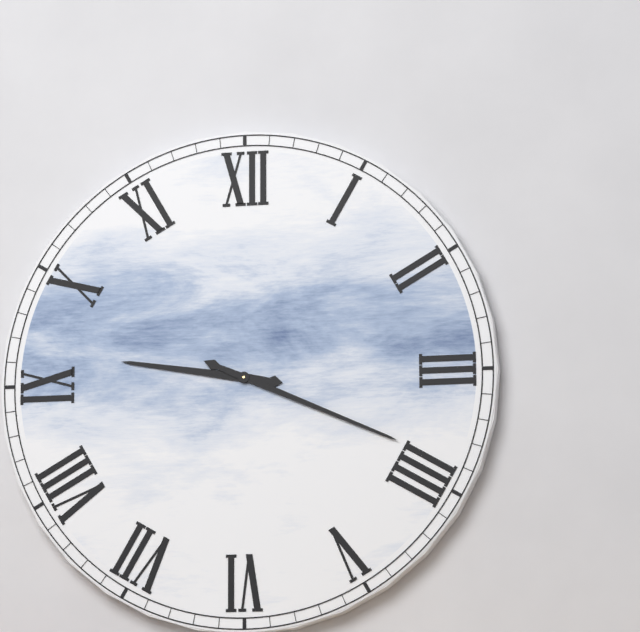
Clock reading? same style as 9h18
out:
9h19
